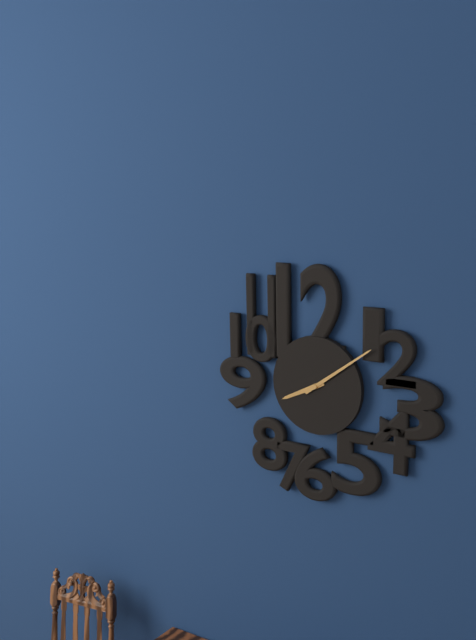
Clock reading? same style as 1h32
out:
8h09
